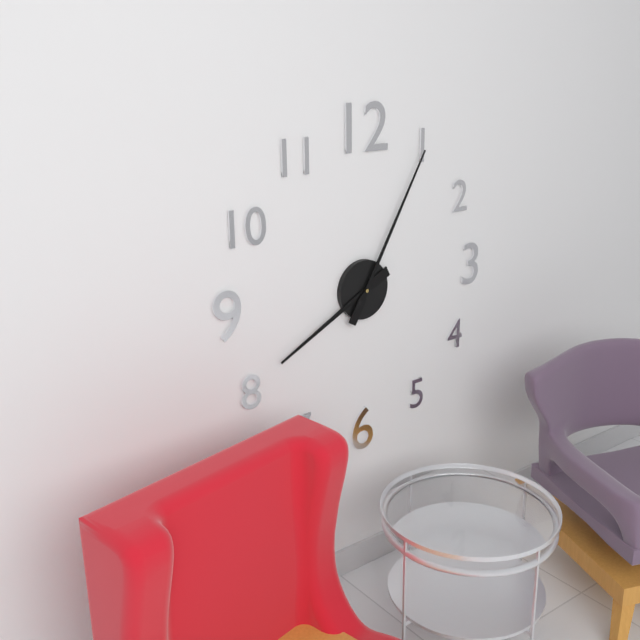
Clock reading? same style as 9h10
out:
8h05
